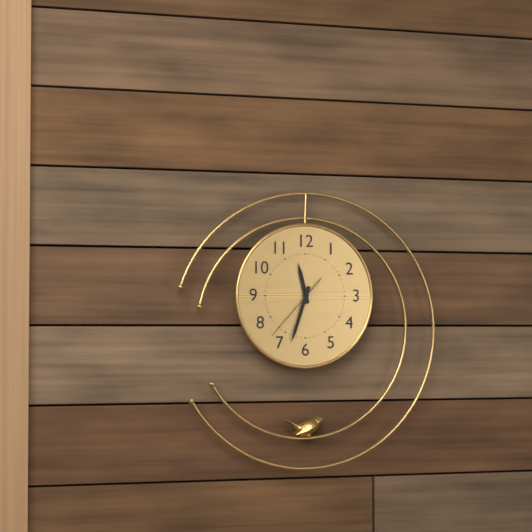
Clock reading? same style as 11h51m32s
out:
11h33m37s
